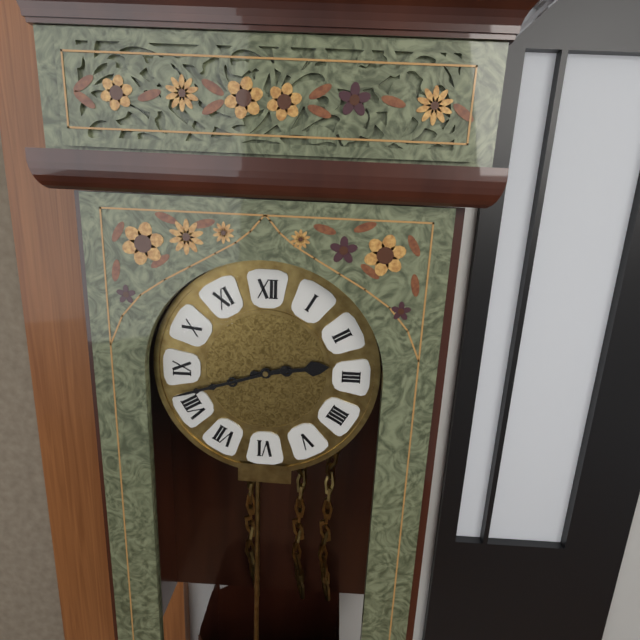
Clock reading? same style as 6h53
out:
2h42
